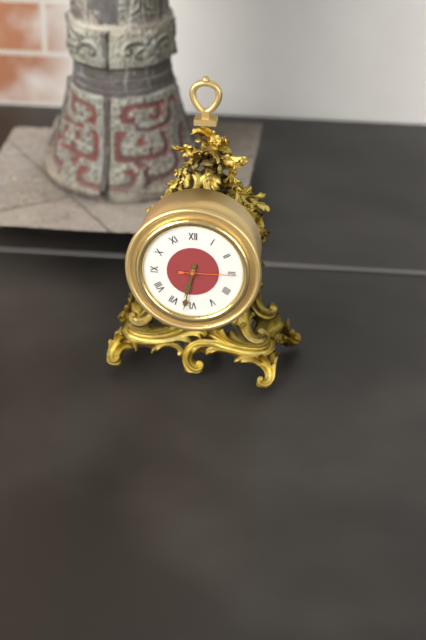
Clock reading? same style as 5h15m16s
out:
6h32m15s
